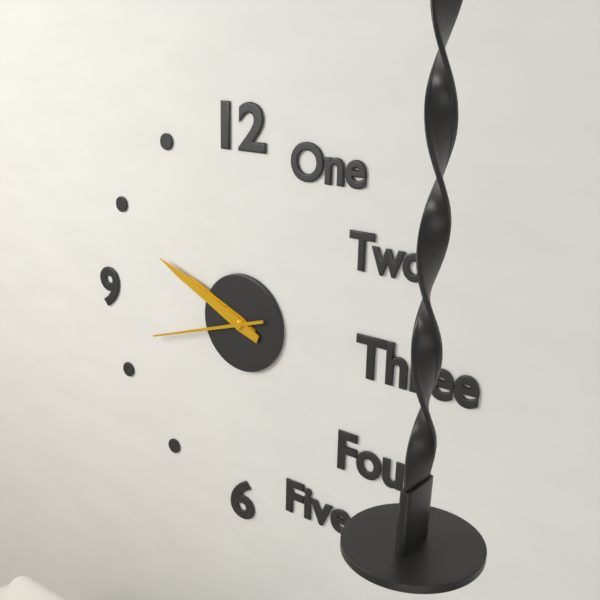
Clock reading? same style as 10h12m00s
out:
9h49m42s
